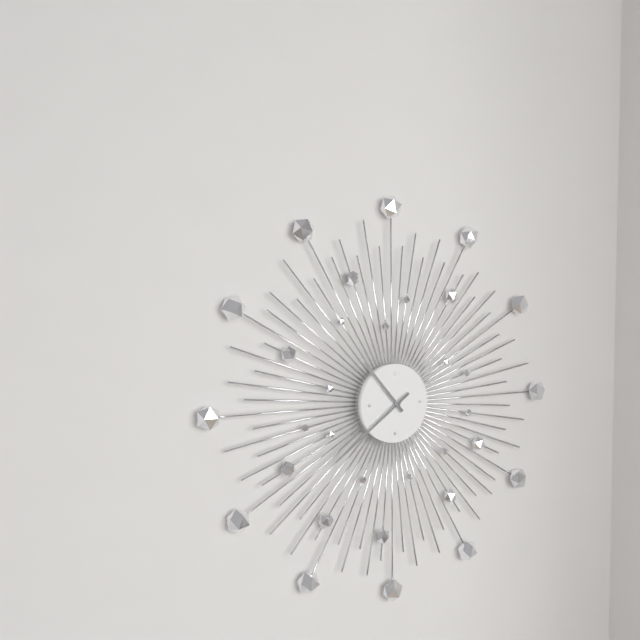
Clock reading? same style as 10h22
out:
10h39
